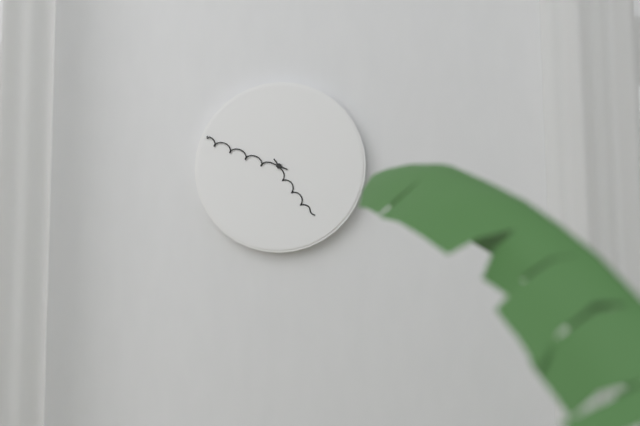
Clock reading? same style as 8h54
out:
4h49
